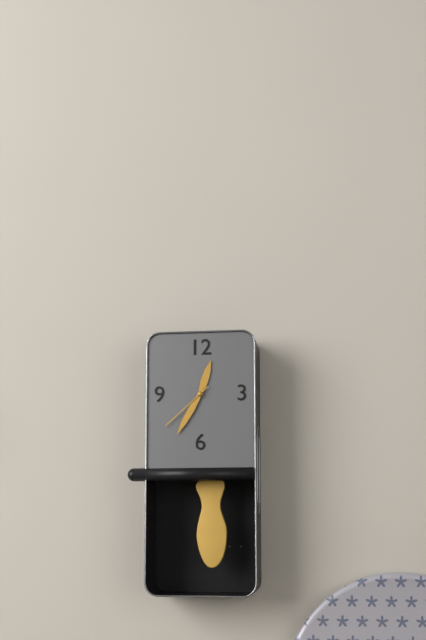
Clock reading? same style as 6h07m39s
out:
12h35m38s
